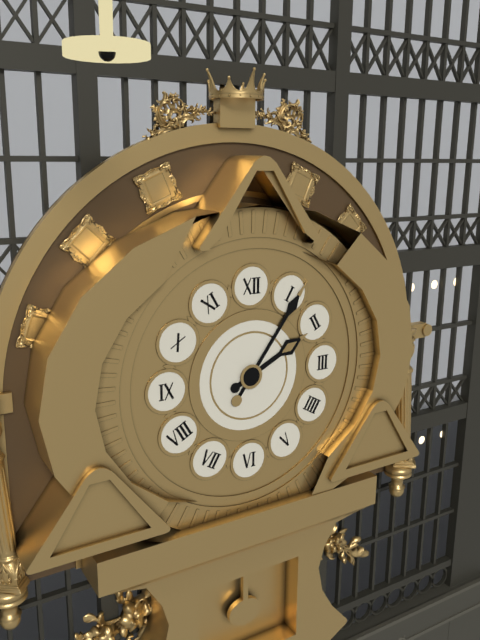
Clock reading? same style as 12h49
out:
2h06
